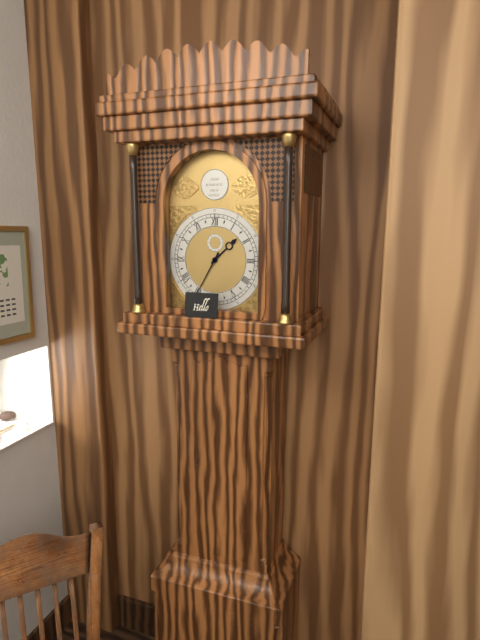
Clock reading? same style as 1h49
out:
1h35
